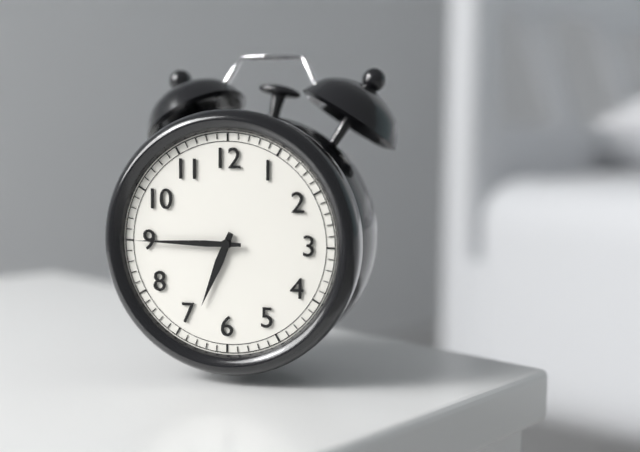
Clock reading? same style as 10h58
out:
6h45
